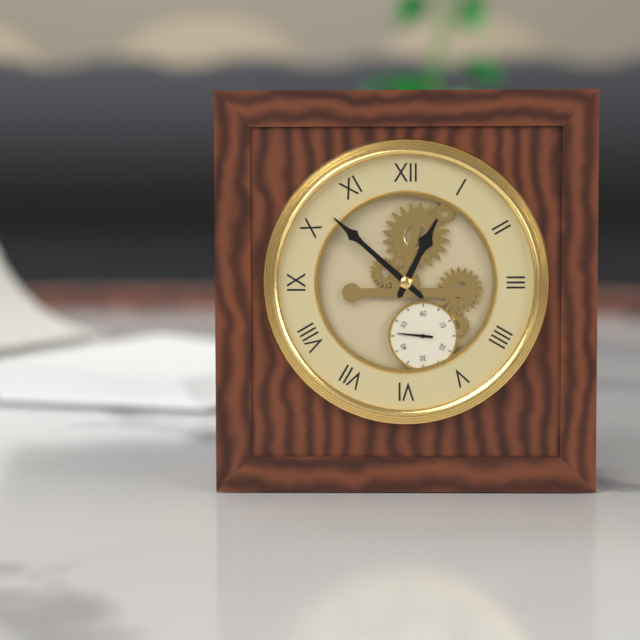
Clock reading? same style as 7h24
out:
12h52
